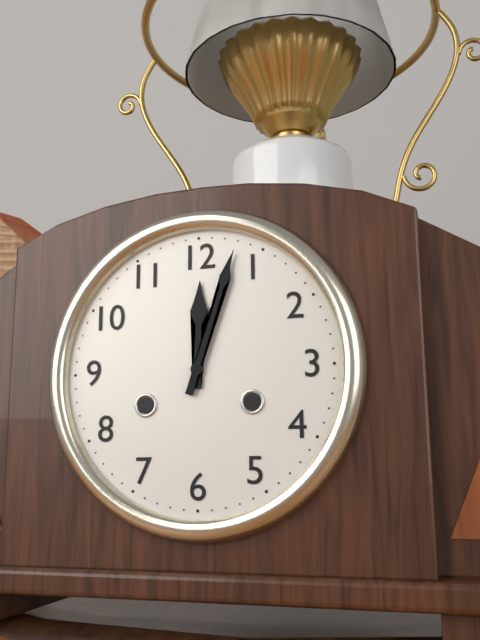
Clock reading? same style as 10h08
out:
12h03
